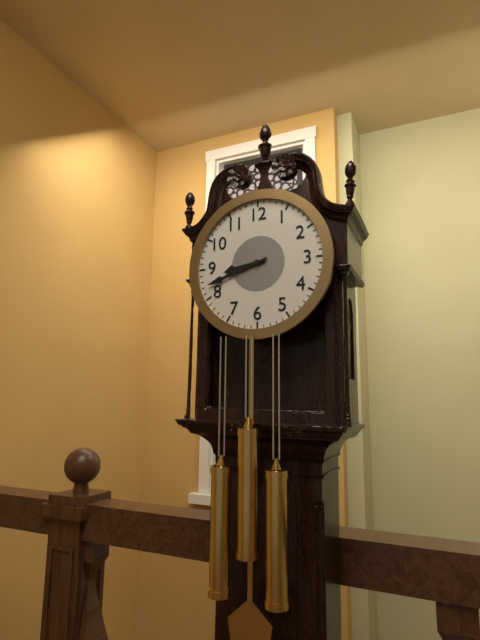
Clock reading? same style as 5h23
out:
8h42
